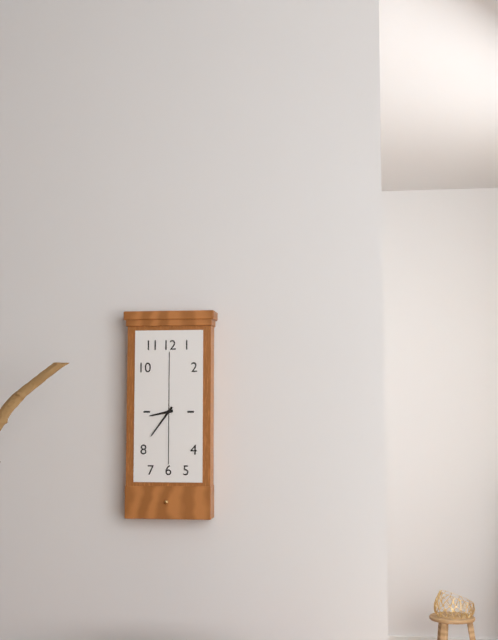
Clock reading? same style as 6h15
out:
8h36
